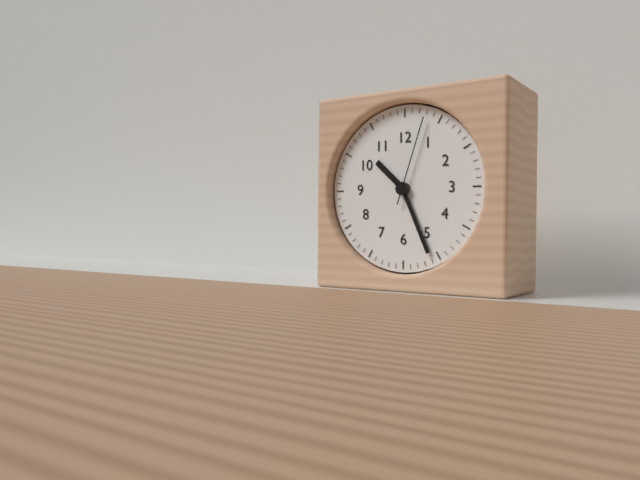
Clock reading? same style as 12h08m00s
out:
10h26m03s
